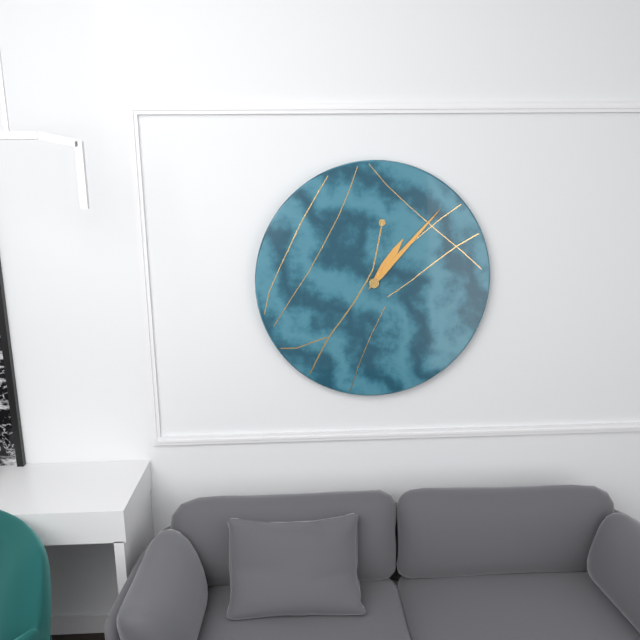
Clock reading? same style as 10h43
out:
1h07
